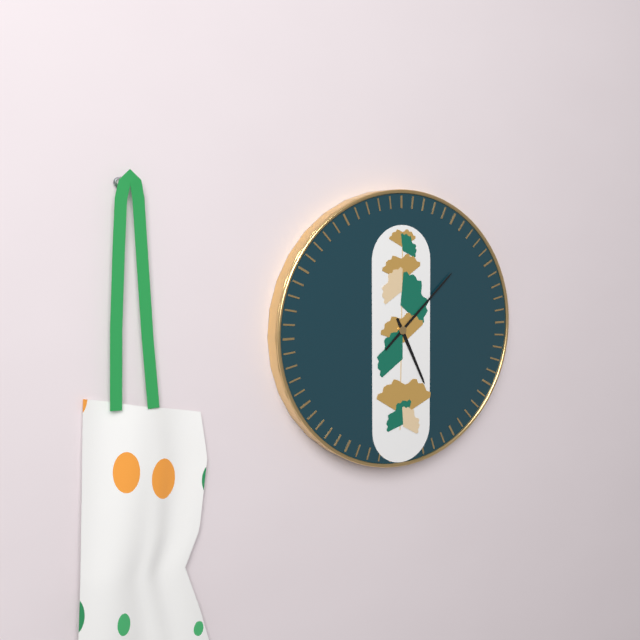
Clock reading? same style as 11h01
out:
5h08
